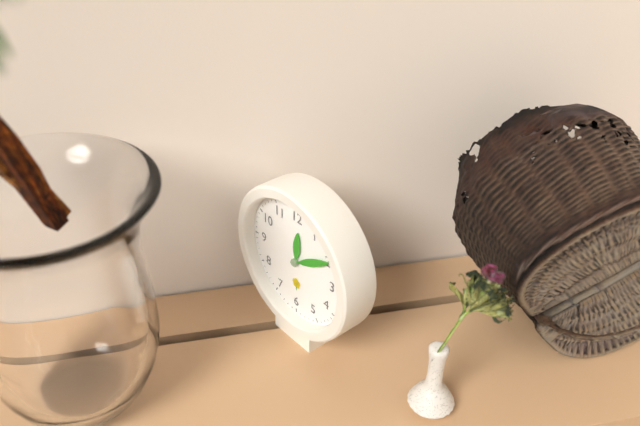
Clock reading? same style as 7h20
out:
12h10
